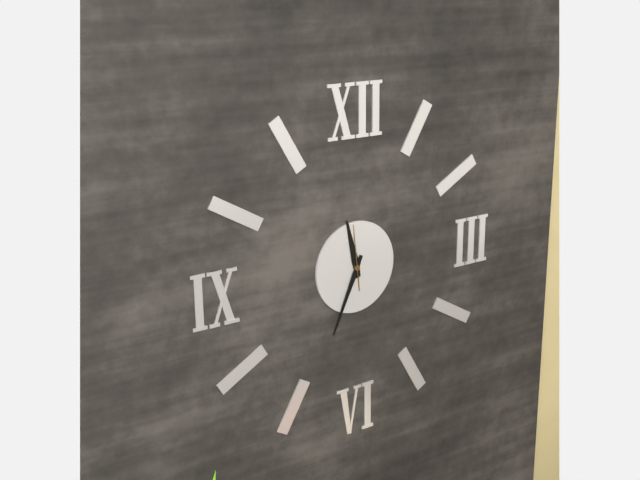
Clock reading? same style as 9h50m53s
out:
11h34m59s
